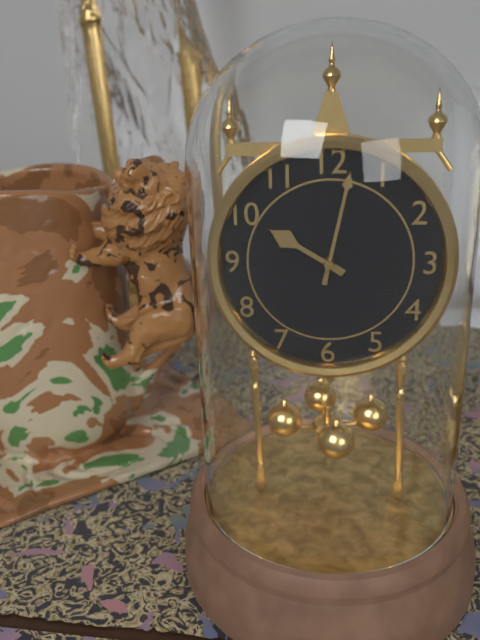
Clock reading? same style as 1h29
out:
10h02
